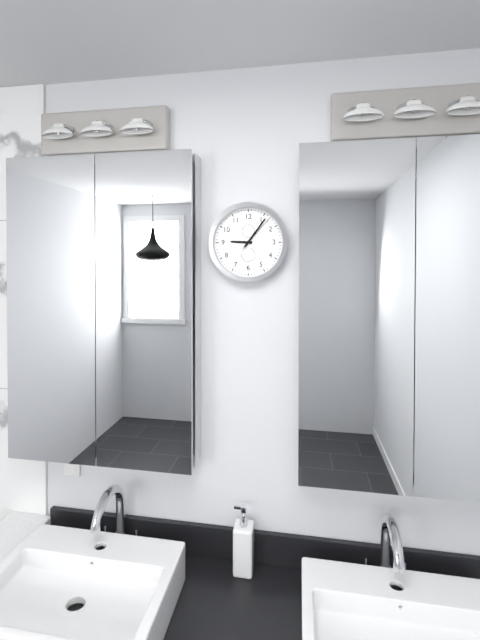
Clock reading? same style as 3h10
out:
9h06
